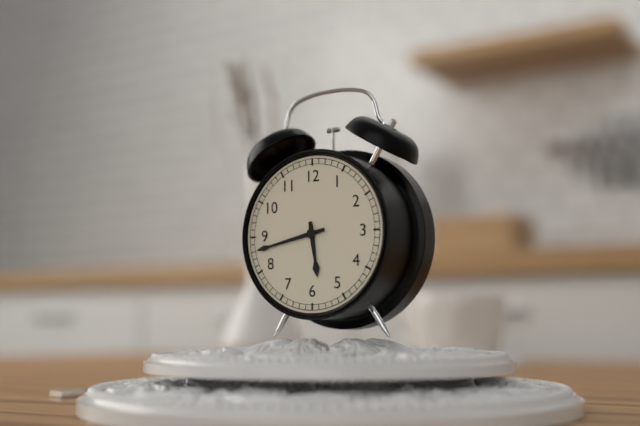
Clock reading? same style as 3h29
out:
5h43
